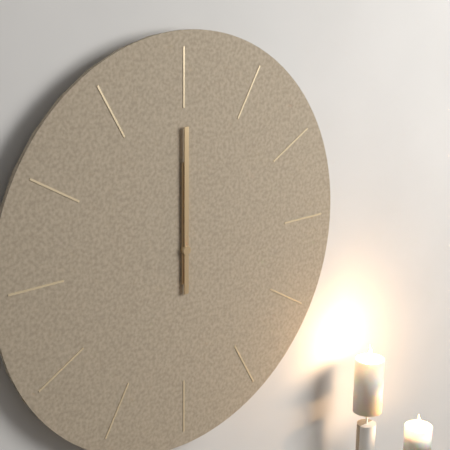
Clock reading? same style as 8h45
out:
12h00
